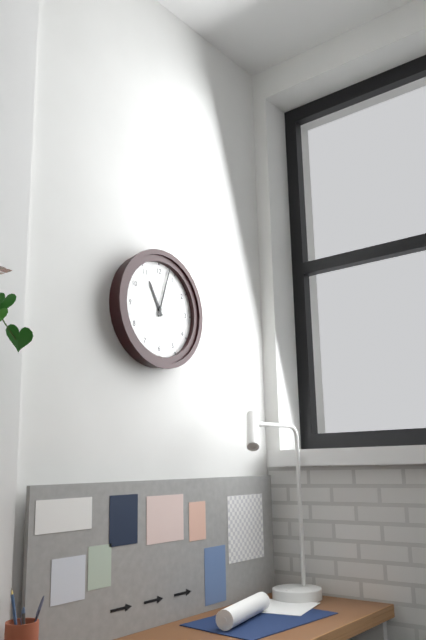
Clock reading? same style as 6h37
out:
11h03
